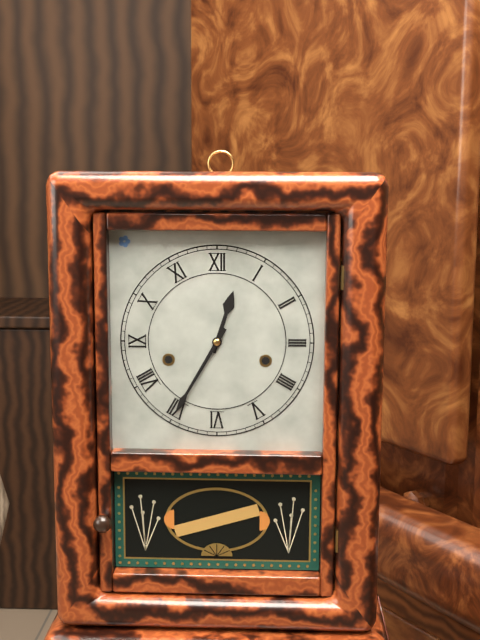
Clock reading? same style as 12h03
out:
12h35
